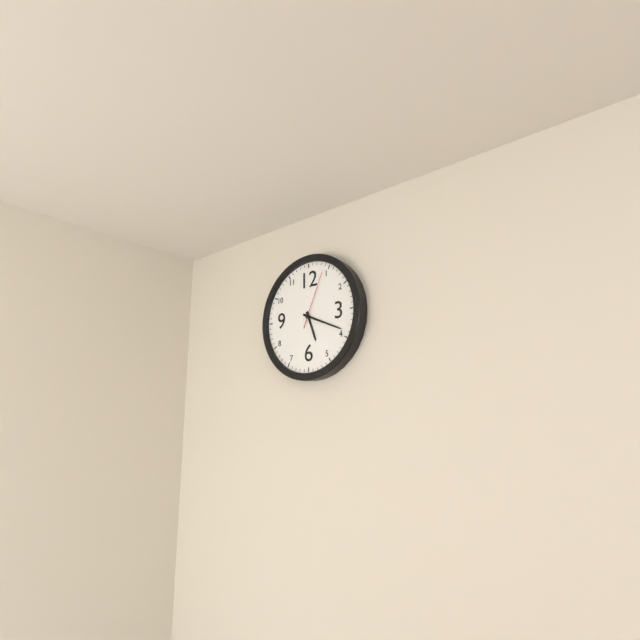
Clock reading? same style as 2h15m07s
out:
5h19m04s
